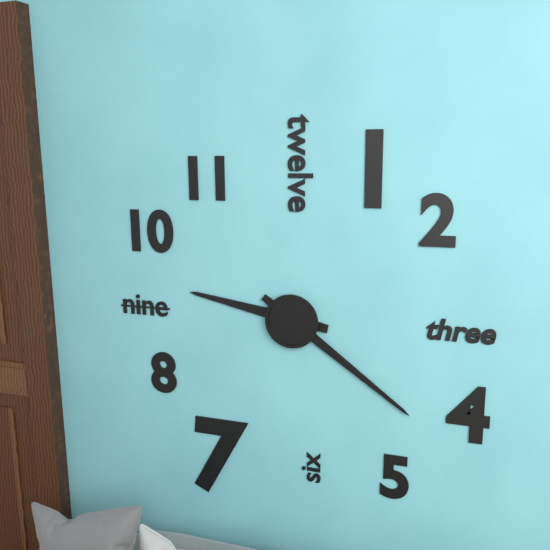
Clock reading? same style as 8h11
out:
9h21
